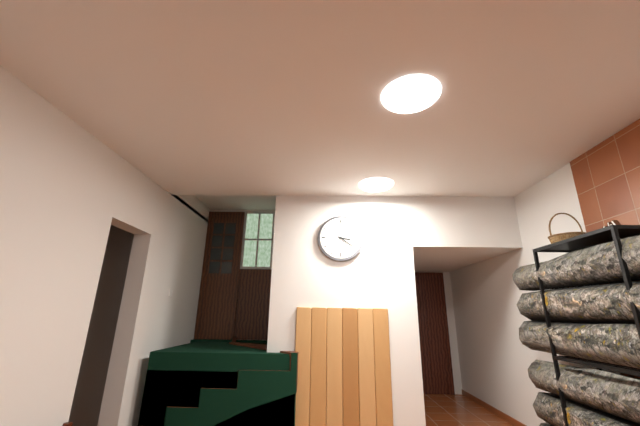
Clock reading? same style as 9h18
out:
3h21
